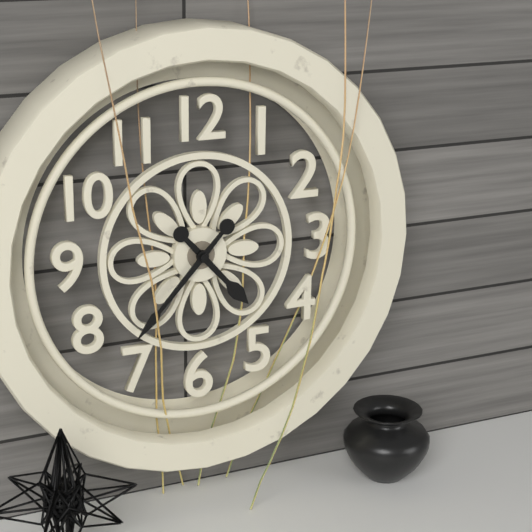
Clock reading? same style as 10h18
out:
4h37
